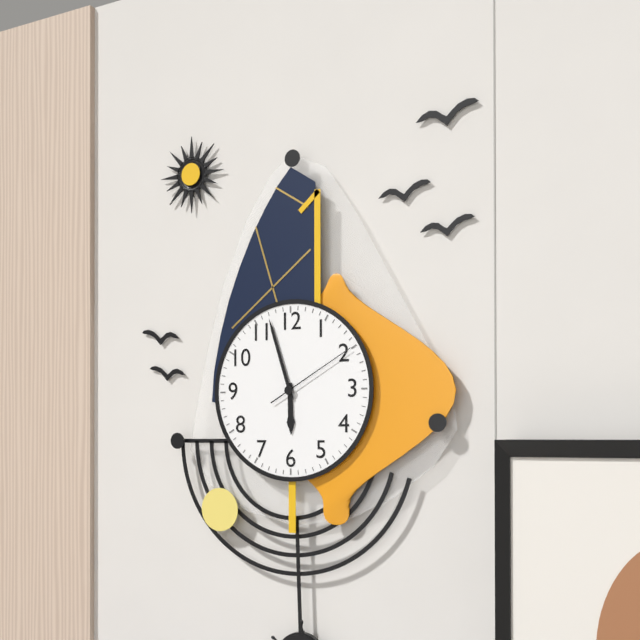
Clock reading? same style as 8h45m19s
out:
5h57m10s
